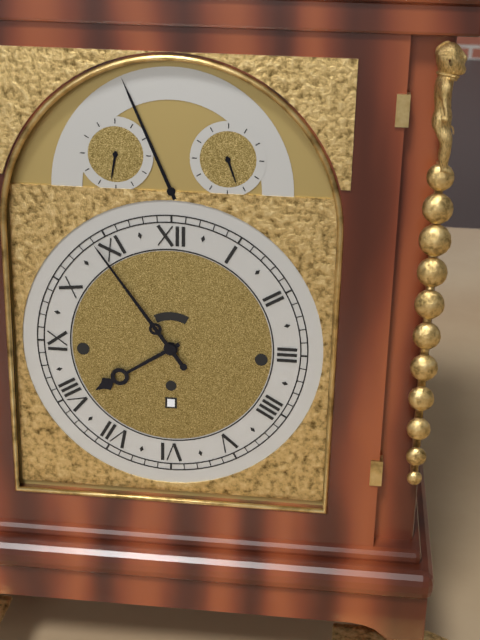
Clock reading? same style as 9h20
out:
7h54
